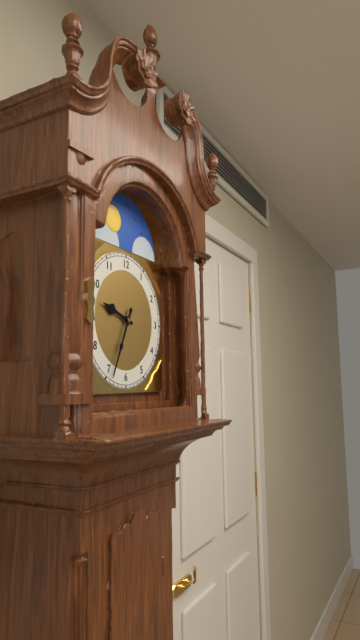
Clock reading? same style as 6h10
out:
9h34
